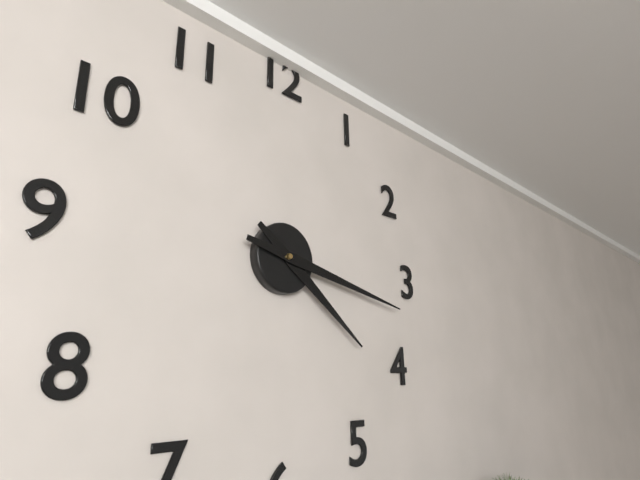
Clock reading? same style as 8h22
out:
4h17
